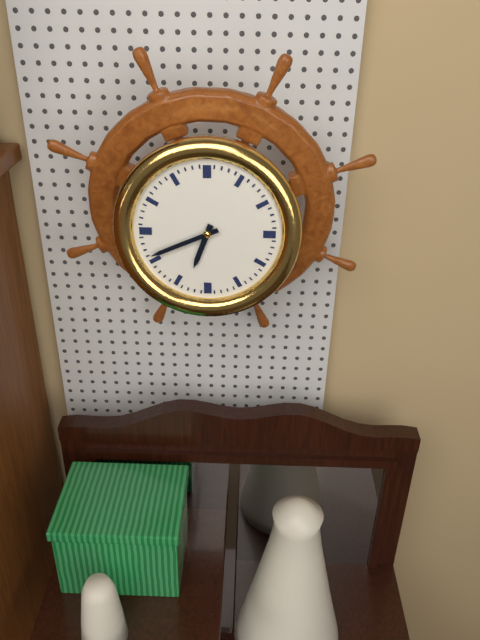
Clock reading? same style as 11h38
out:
6h41
